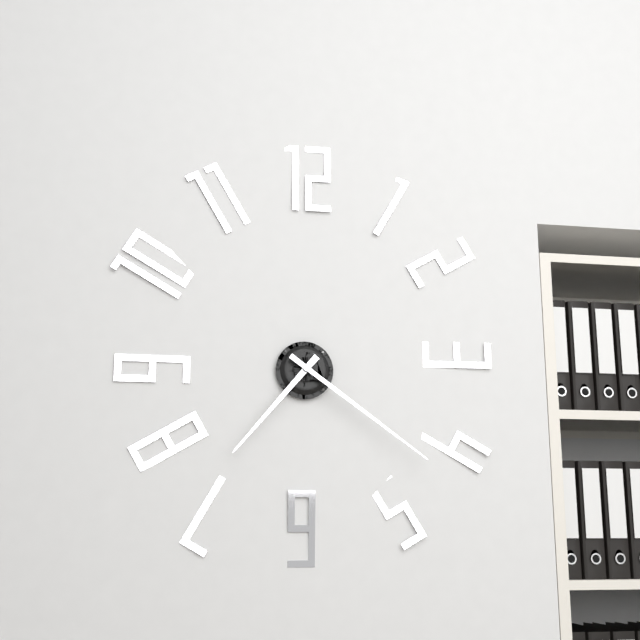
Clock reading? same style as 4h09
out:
7h21
